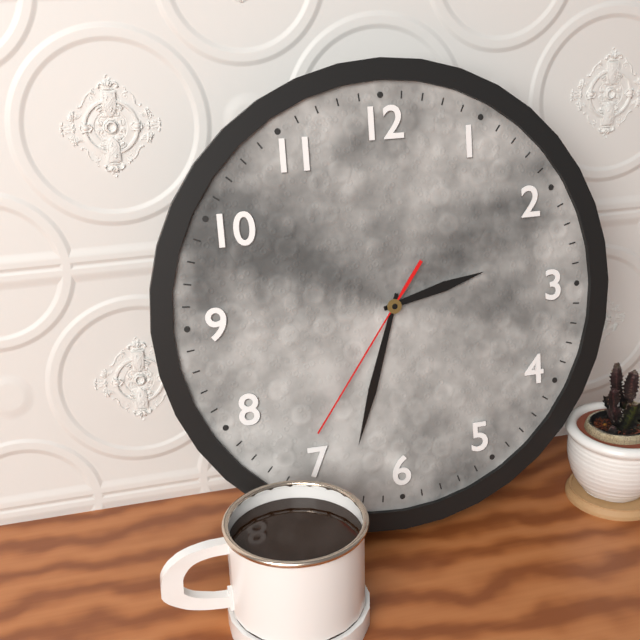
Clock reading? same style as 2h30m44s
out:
2h33m36s
